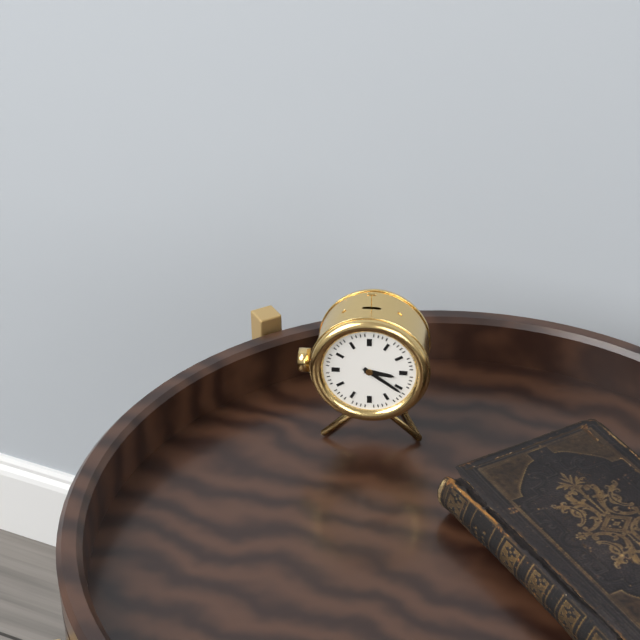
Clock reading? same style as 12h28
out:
3h21
